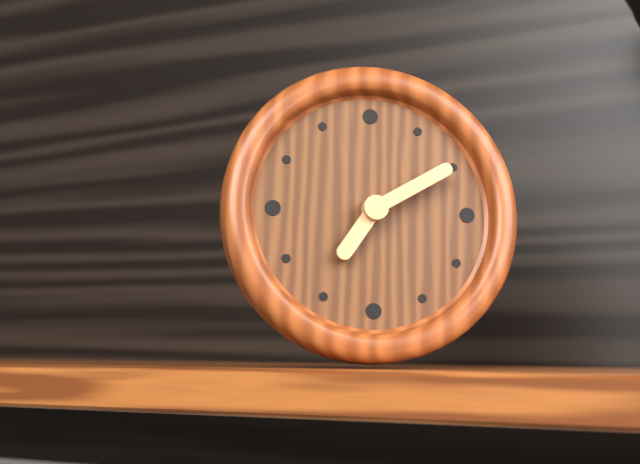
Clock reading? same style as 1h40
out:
7h10
